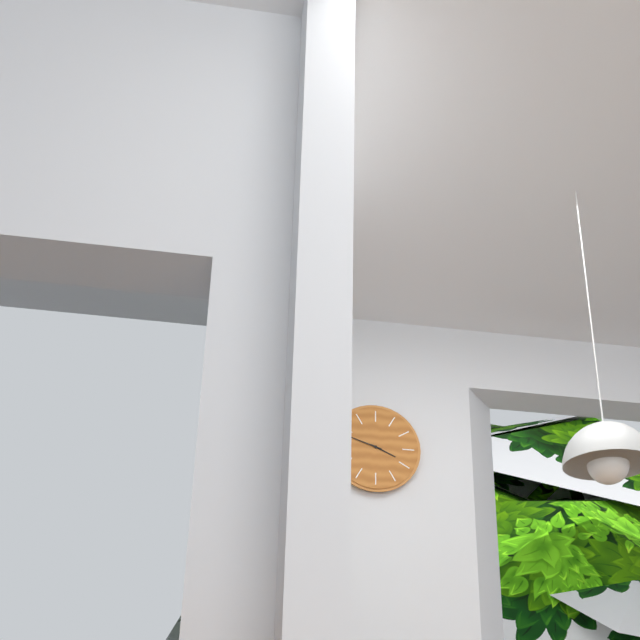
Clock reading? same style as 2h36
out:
3h48
